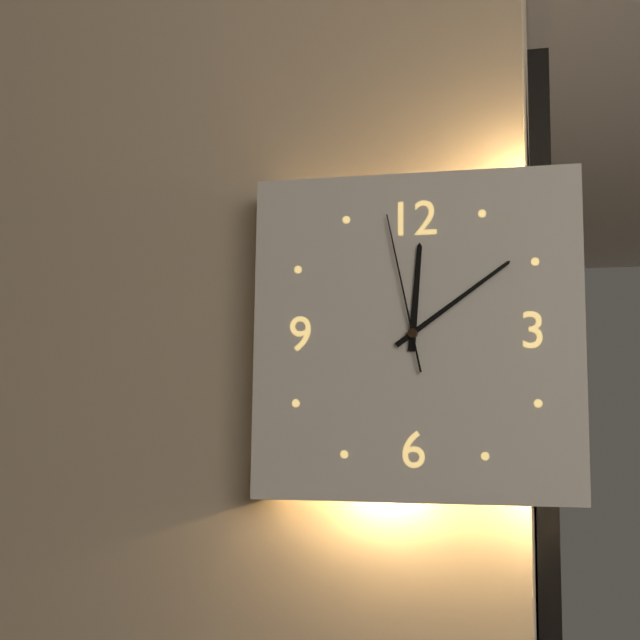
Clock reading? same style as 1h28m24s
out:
12h09m58s
